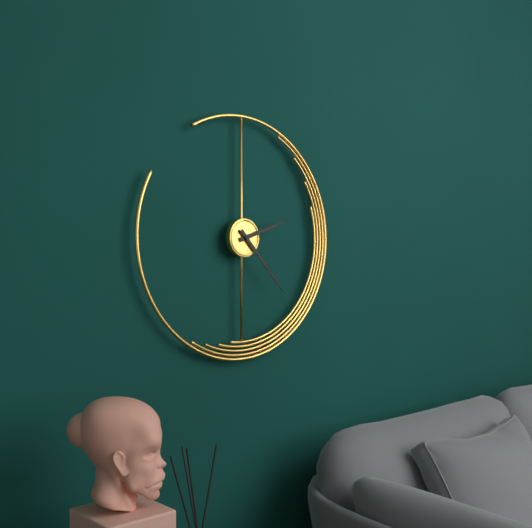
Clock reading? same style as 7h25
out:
2h23
